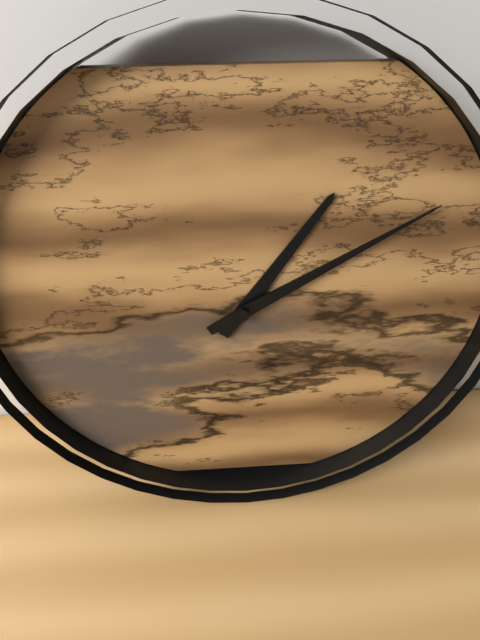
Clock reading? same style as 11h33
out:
1h10
